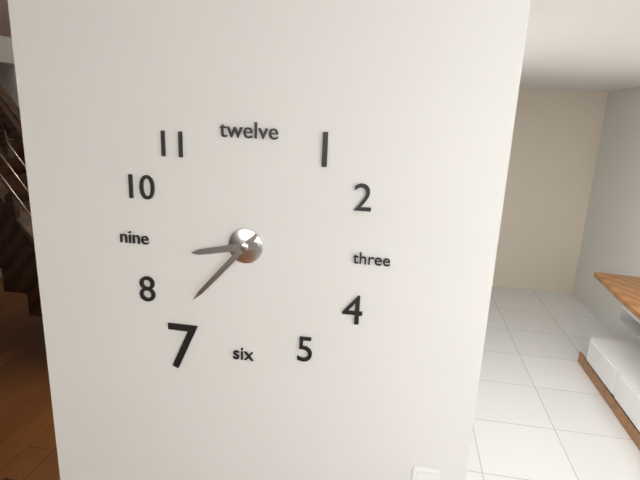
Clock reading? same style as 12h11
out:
8h37
